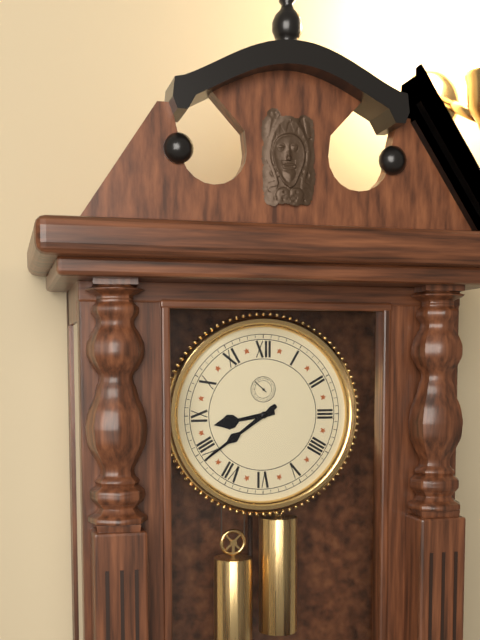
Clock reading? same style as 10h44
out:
8h39
